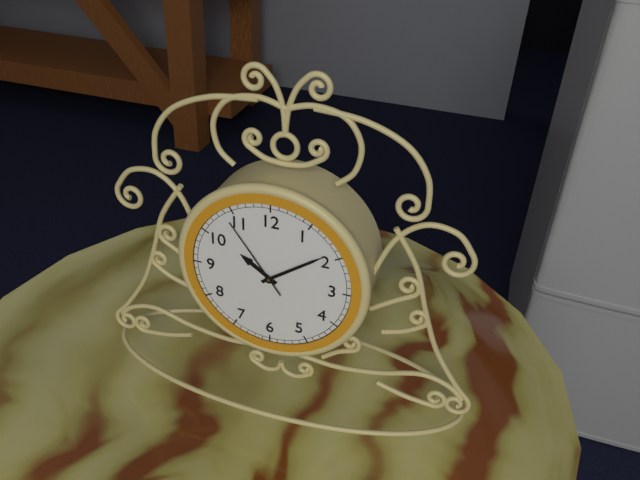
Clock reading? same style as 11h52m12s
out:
10h09m54s
